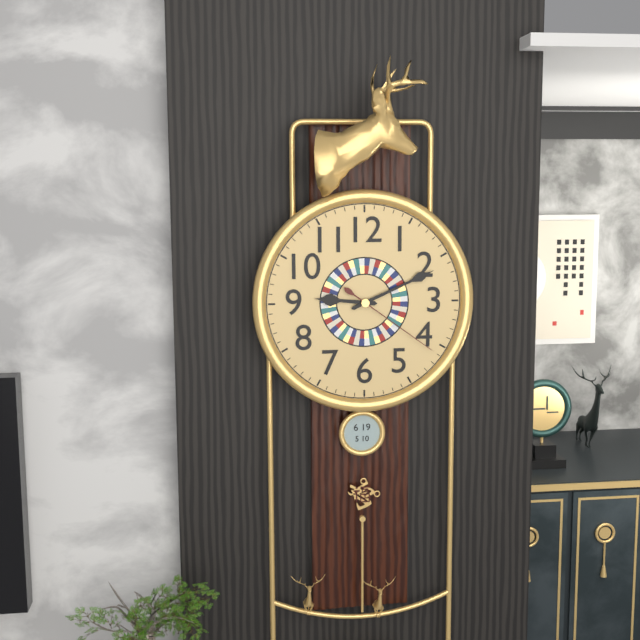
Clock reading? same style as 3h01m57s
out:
9h11m21s
